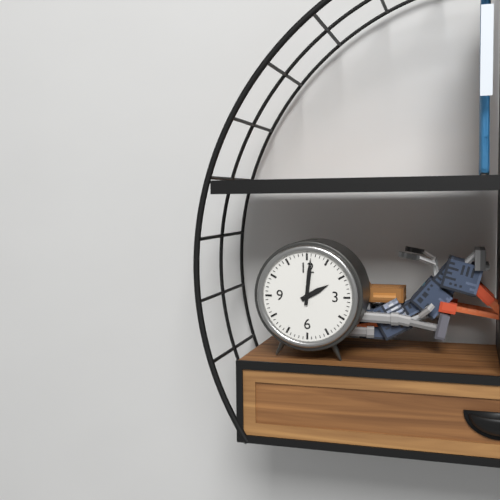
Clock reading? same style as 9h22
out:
2h01
